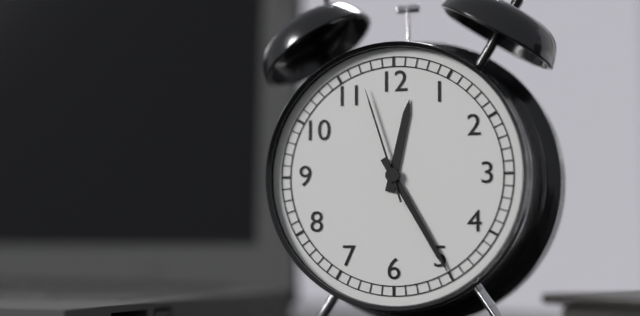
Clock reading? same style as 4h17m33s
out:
12h25m57s
